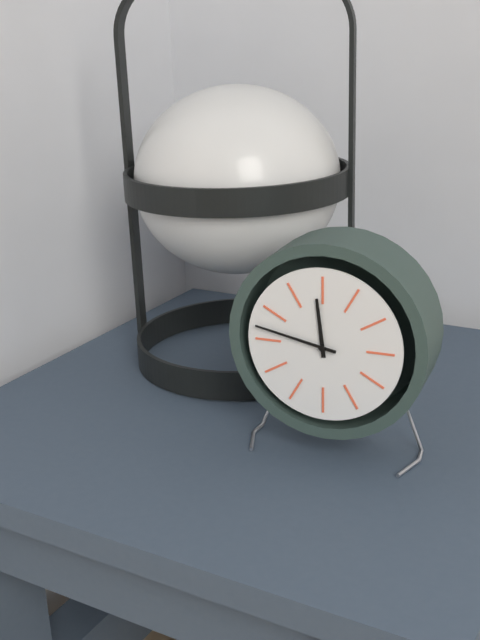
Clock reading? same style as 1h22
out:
11h47
